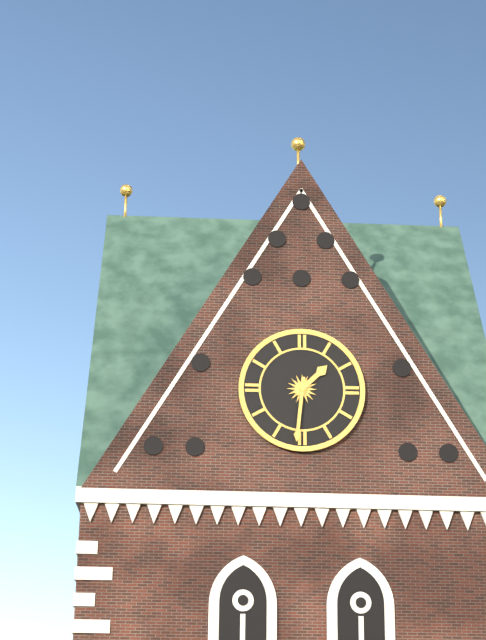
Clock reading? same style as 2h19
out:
1h31
